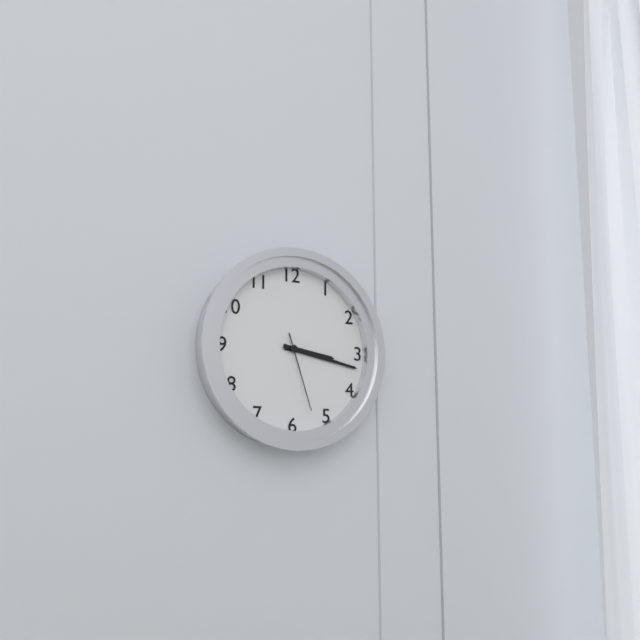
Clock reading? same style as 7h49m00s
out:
3h17m27s
